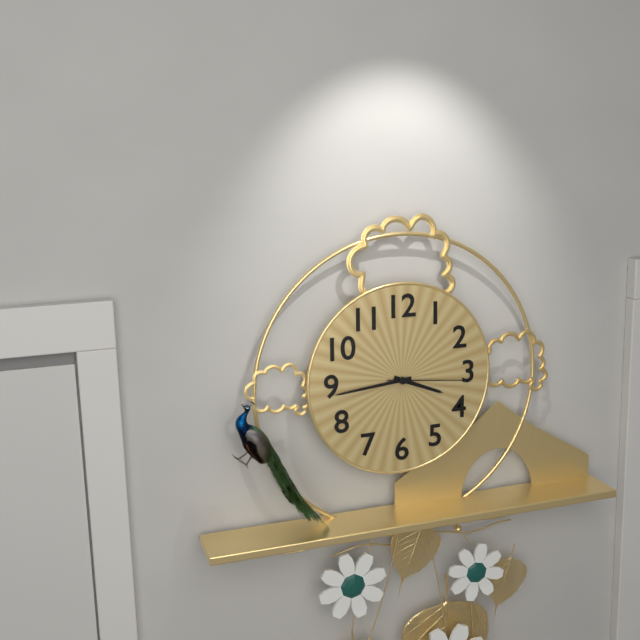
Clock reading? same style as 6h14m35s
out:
3h44m16s
